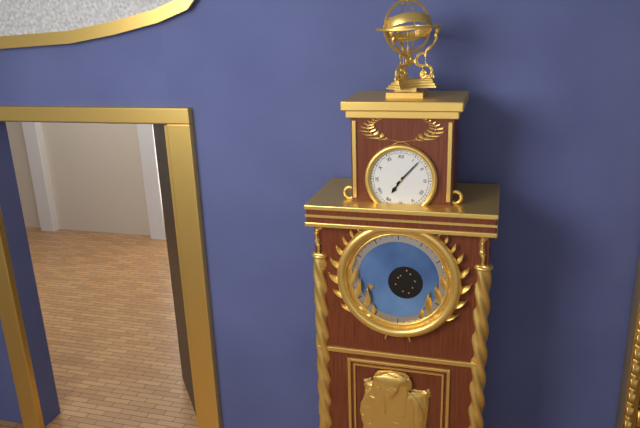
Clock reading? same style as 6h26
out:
7h07
